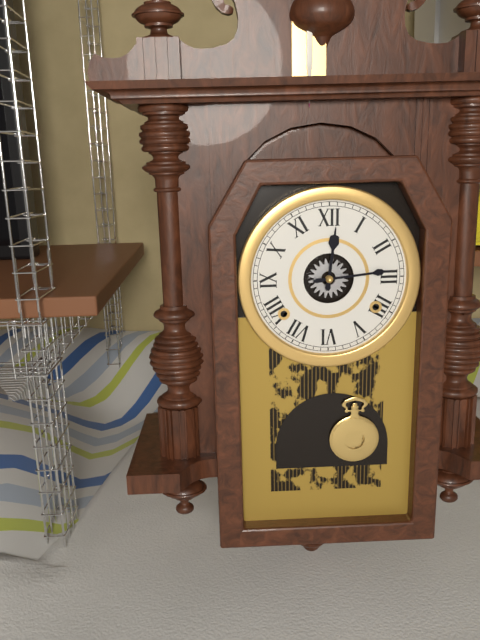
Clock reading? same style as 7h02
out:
12h14
